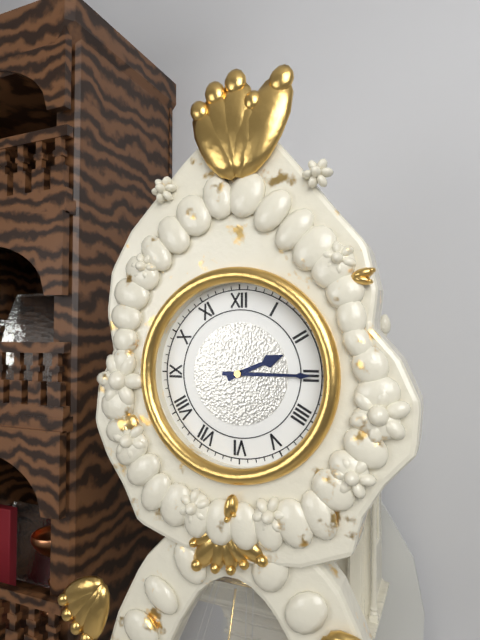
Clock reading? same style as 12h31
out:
2h15
